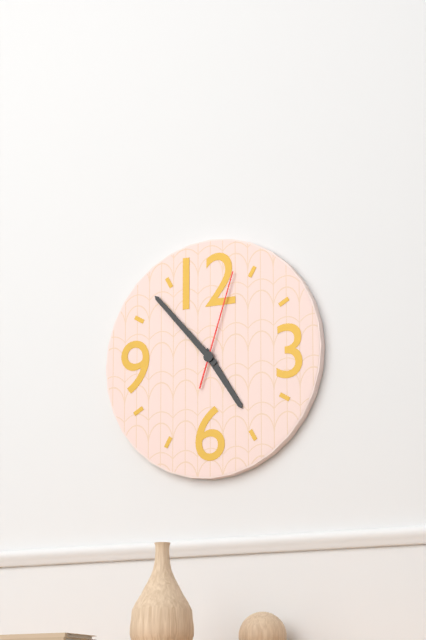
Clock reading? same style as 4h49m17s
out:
4h53m03s
